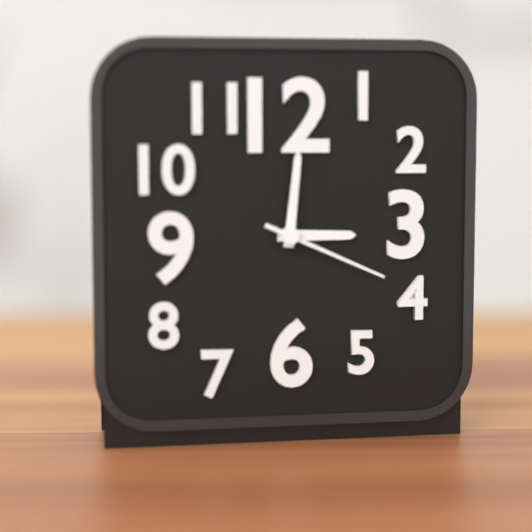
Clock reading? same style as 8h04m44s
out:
3h01m19s
